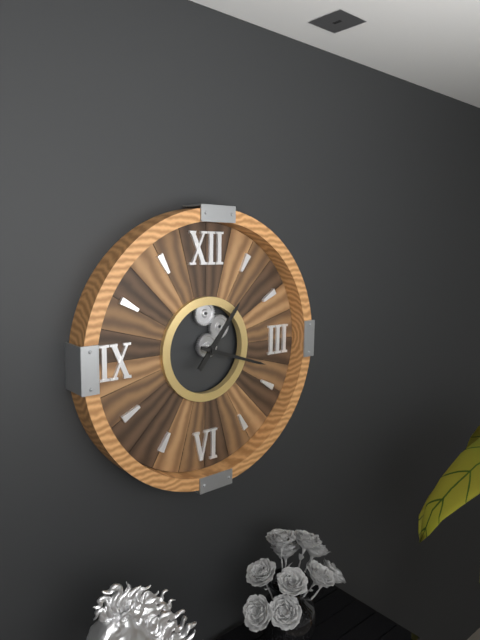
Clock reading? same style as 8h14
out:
1h18
